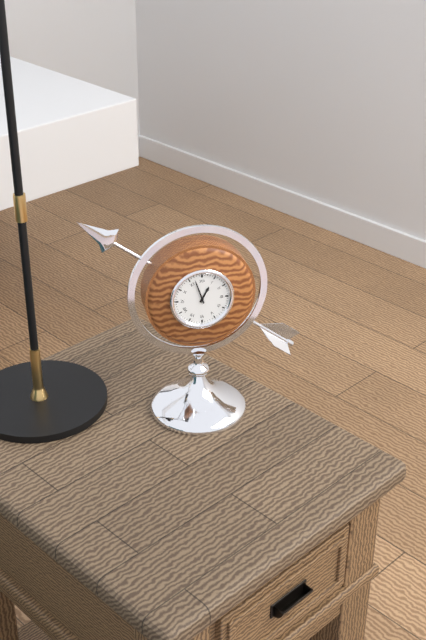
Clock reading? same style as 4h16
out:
12h57
